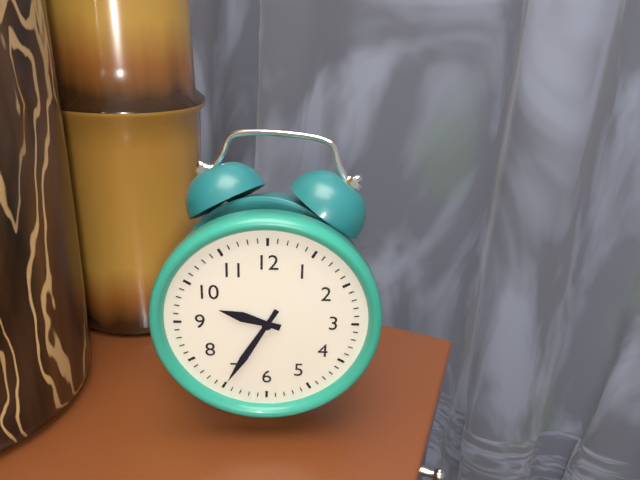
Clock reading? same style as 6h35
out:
9h35
